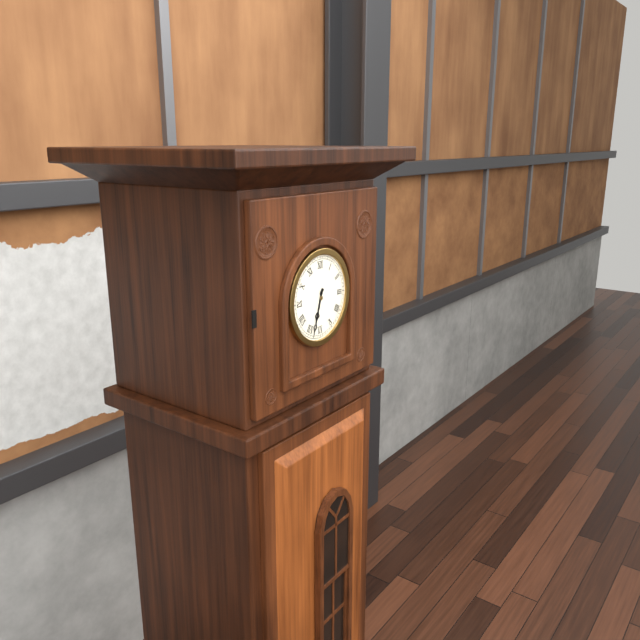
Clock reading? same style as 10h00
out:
6h33
